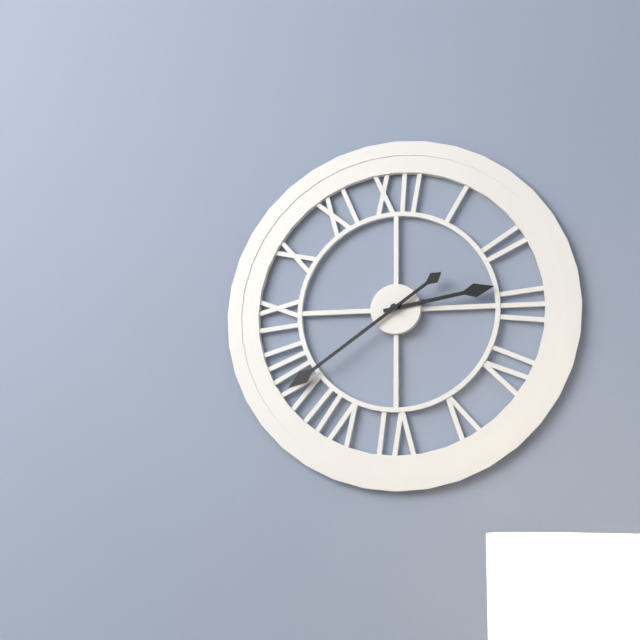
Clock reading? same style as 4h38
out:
2h39
